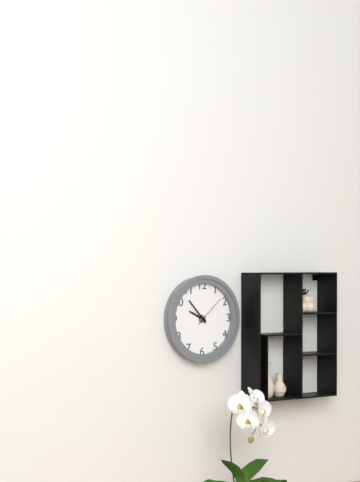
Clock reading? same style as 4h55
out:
9h53
